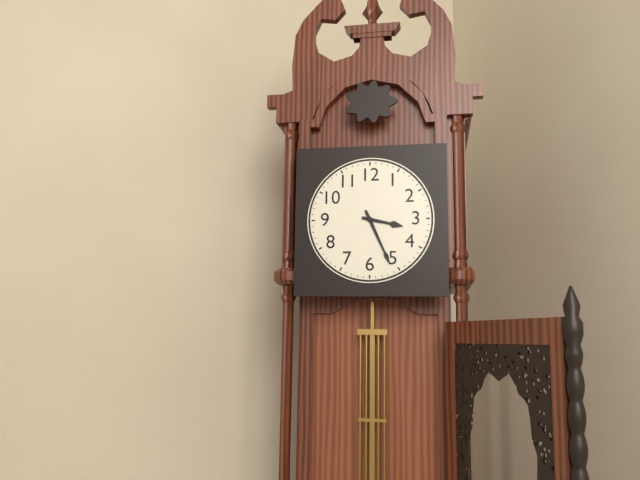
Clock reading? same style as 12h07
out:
3h26
